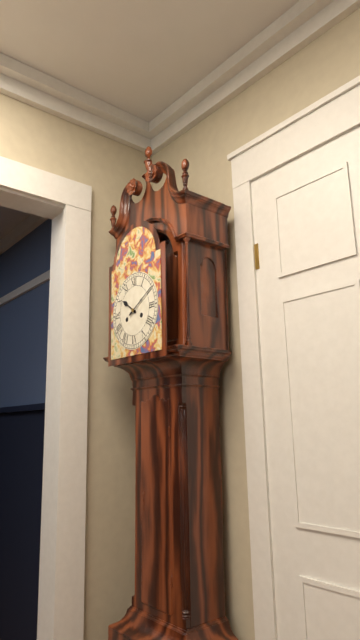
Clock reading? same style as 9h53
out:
10h10
